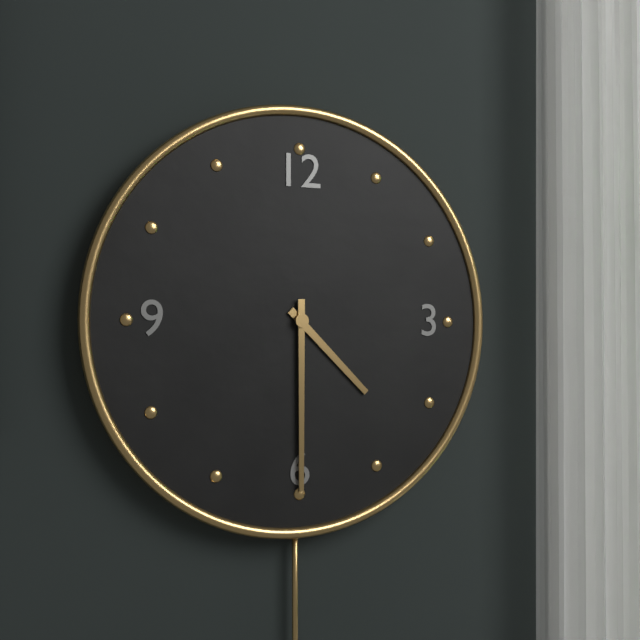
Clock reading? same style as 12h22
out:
4h30
